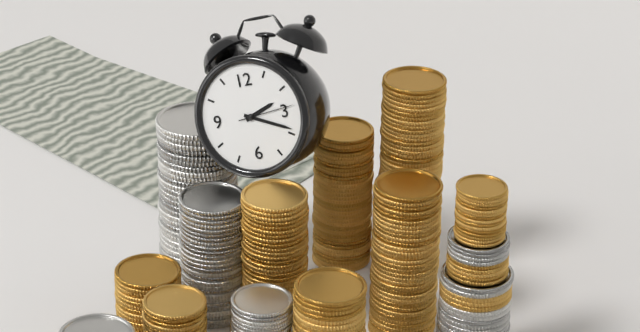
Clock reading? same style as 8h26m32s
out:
2h19m14s
